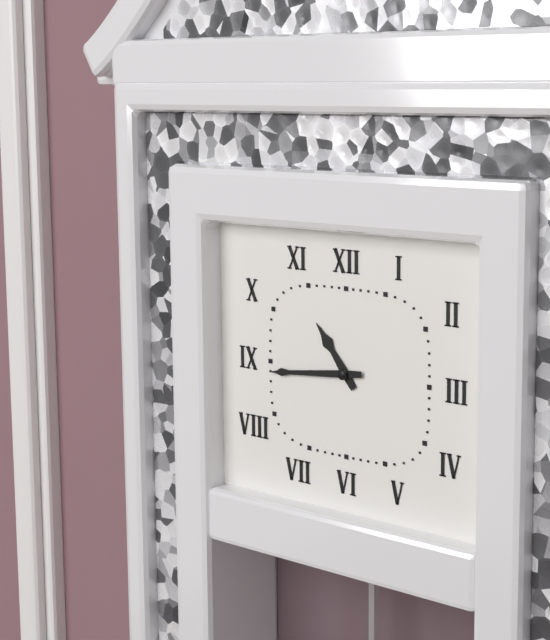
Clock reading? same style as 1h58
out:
10h44
